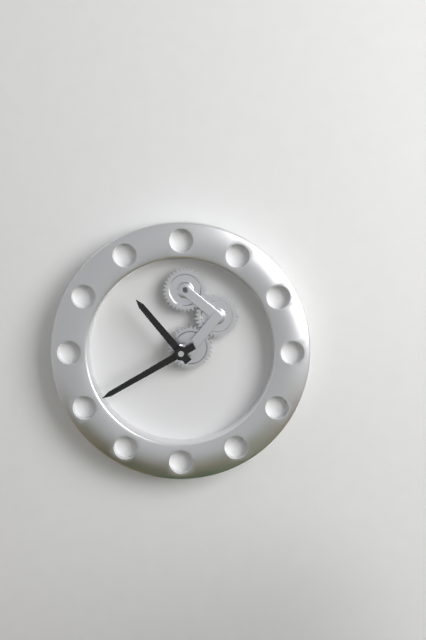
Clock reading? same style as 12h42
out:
10h40
